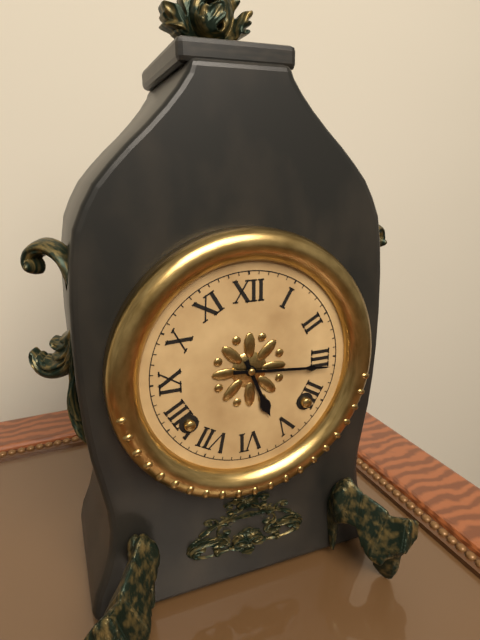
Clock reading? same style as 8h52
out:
5h16
